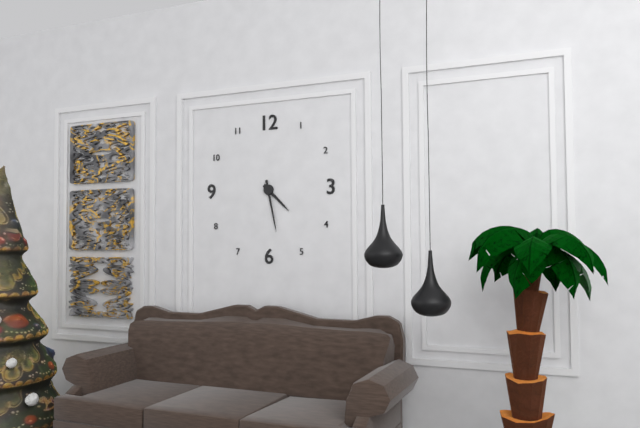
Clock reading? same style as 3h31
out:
4h28
